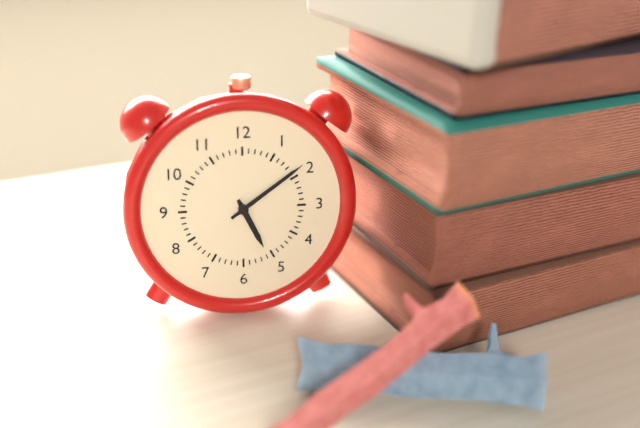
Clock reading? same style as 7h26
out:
5h09
